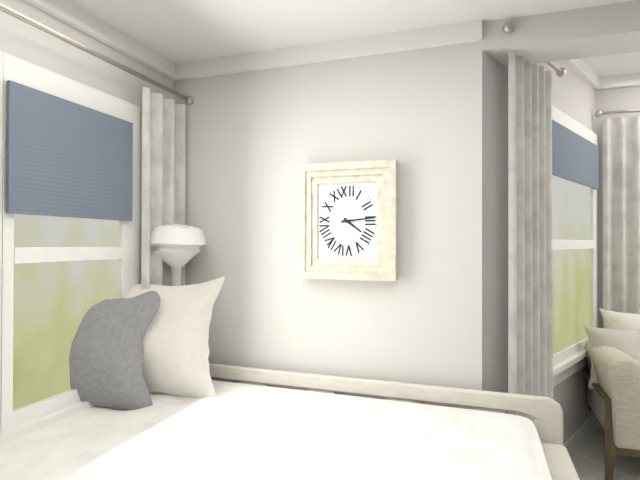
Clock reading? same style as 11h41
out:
4h14
